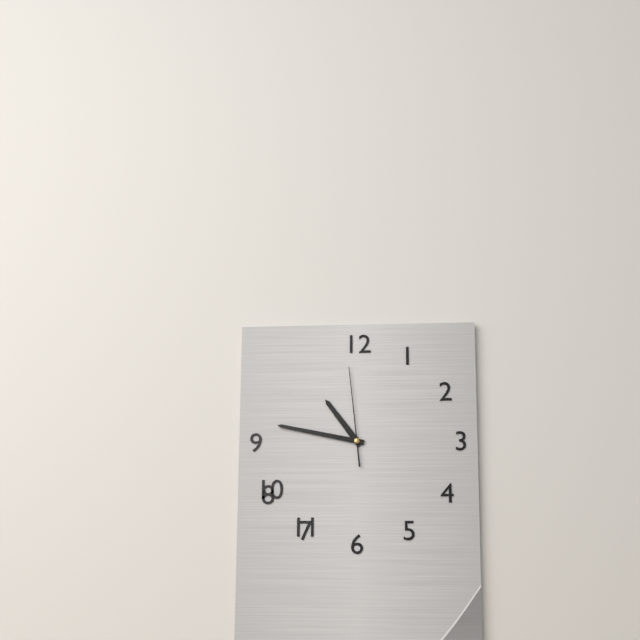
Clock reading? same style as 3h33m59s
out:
10h47m59s
